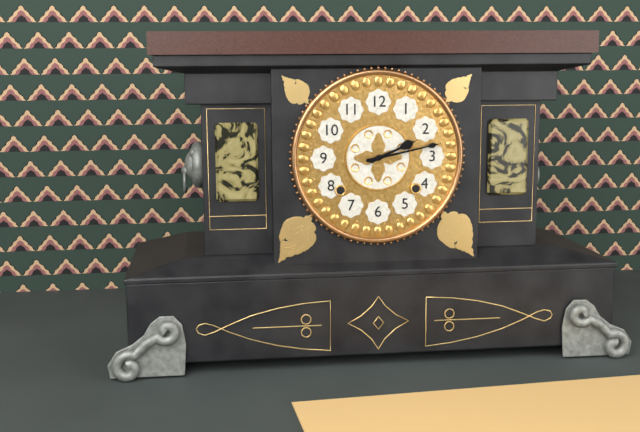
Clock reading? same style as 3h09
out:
2h13
